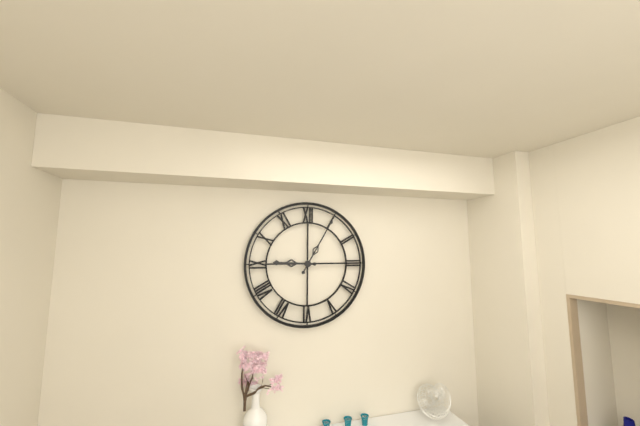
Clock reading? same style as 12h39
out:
9h05
